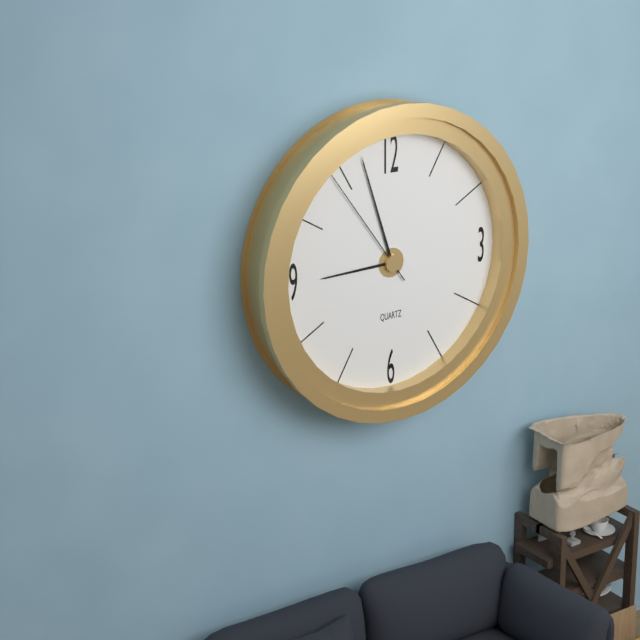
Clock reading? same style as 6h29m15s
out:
8h57m54s
